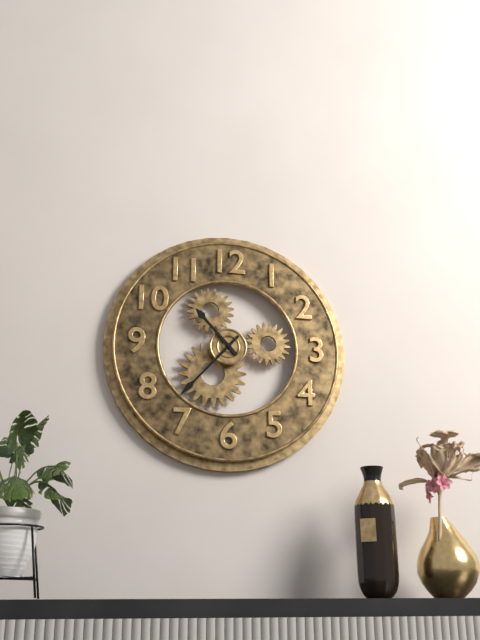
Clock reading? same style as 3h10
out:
10h37
